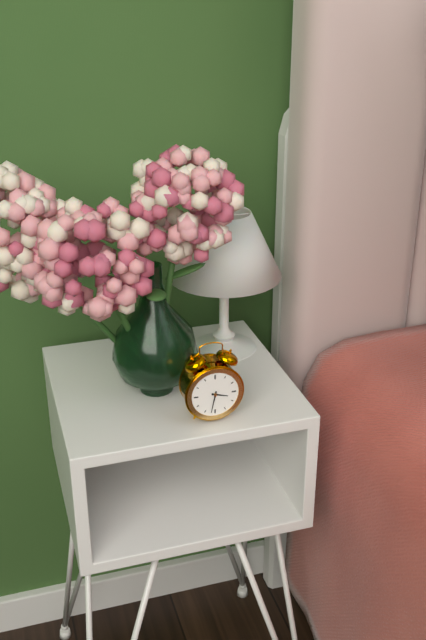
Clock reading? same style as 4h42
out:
3h32
